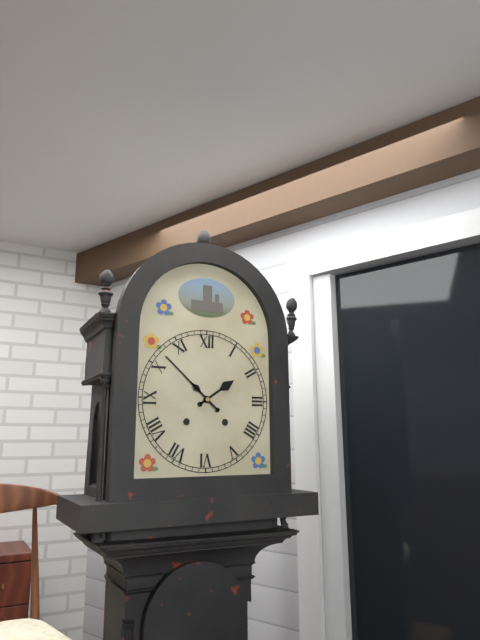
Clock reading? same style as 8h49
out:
1h52
